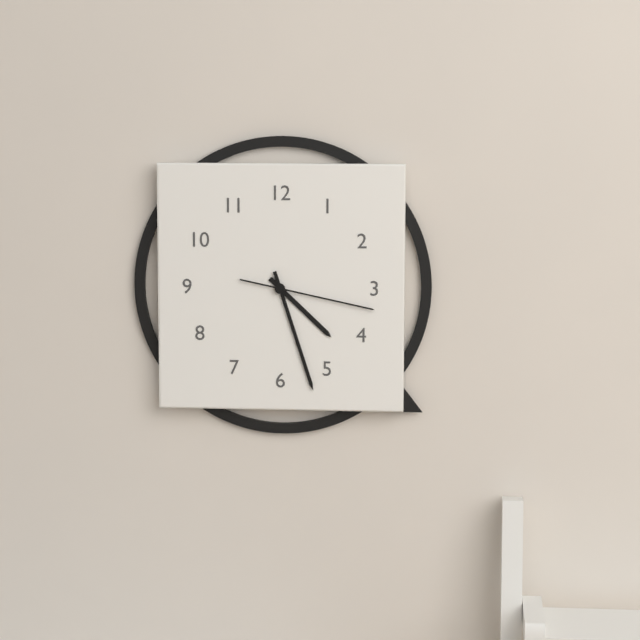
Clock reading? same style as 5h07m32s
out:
4h27m17s
